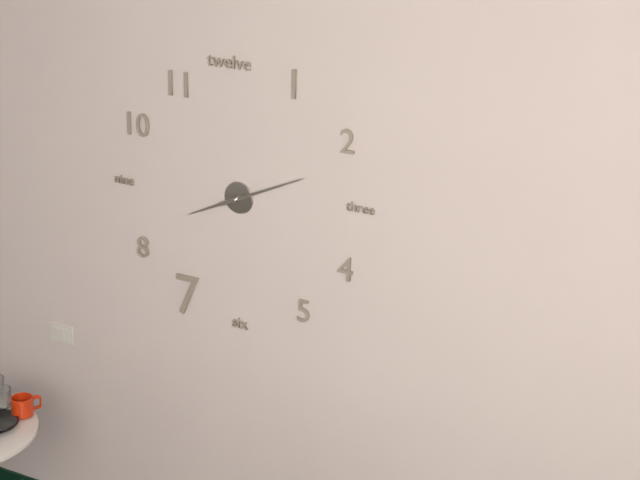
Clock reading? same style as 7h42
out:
8h11
